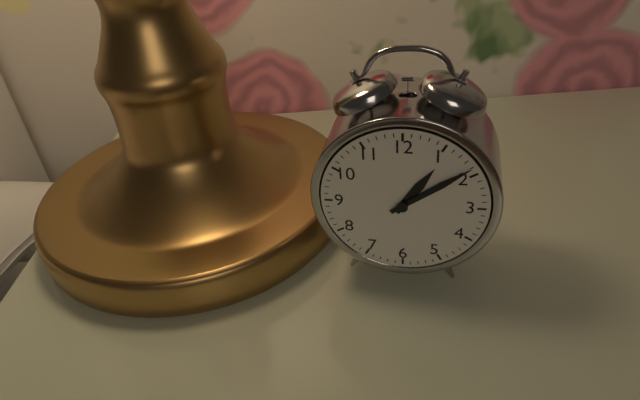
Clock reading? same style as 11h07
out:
1h09
